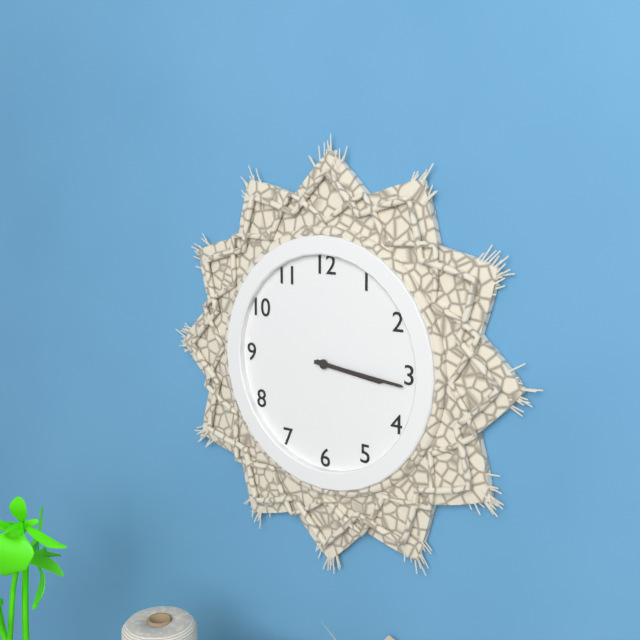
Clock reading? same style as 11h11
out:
3h16
